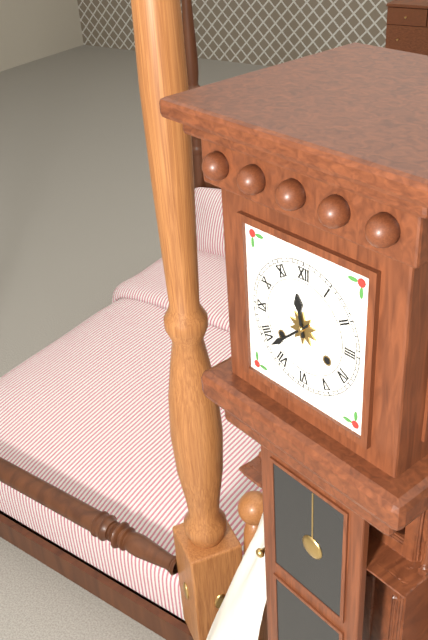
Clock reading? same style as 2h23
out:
11h38
